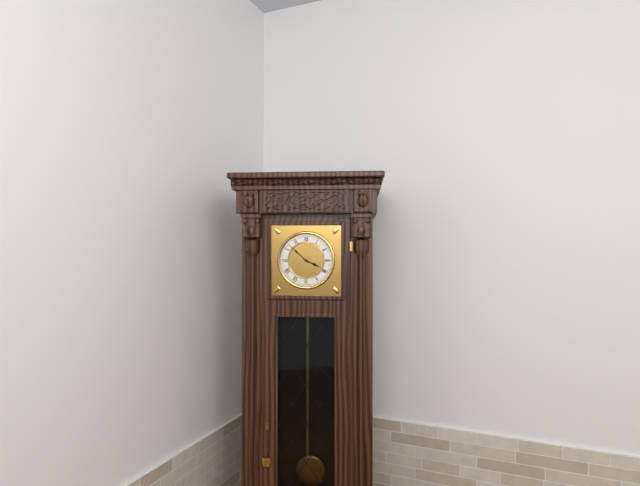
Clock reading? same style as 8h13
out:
3h52
